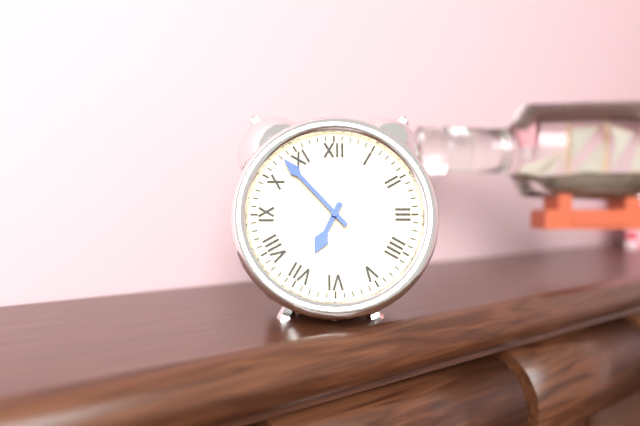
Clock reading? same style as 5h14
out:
6h53
